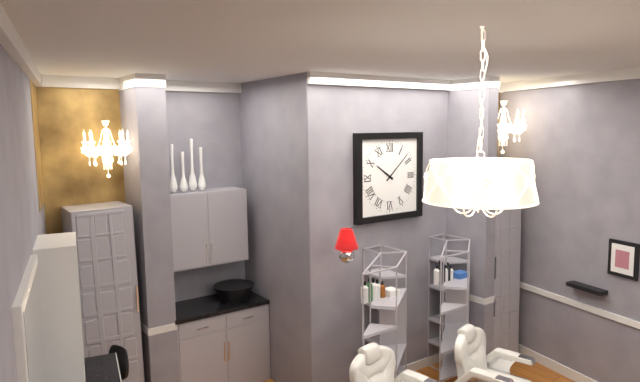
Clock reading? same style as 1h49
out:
10h08
